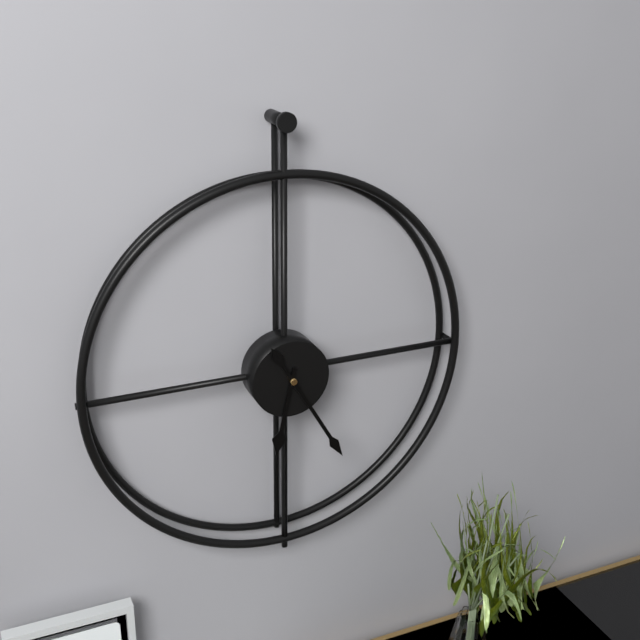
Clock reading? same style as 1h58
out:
6h25
